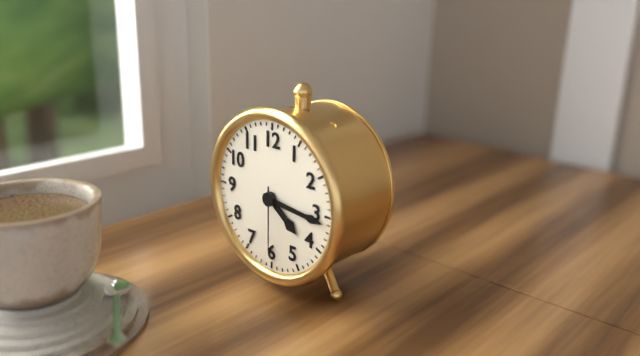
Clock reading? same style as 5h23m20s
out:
4h16m30s
